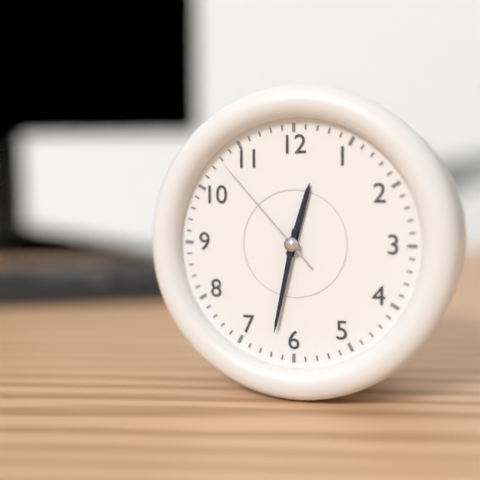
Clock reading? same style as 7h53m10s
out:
12h32m53s
